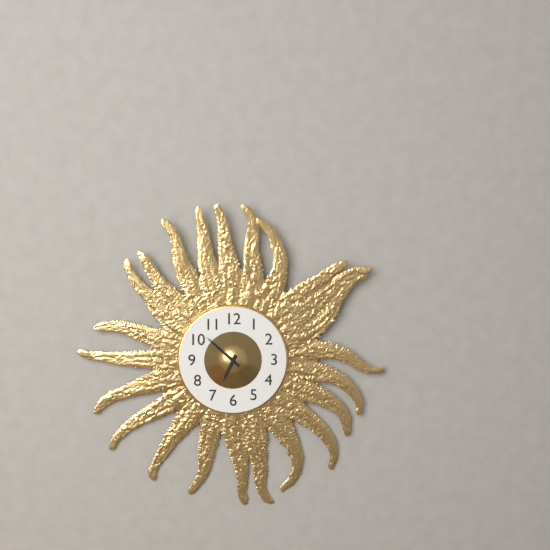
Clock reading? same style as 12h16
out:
6h52
